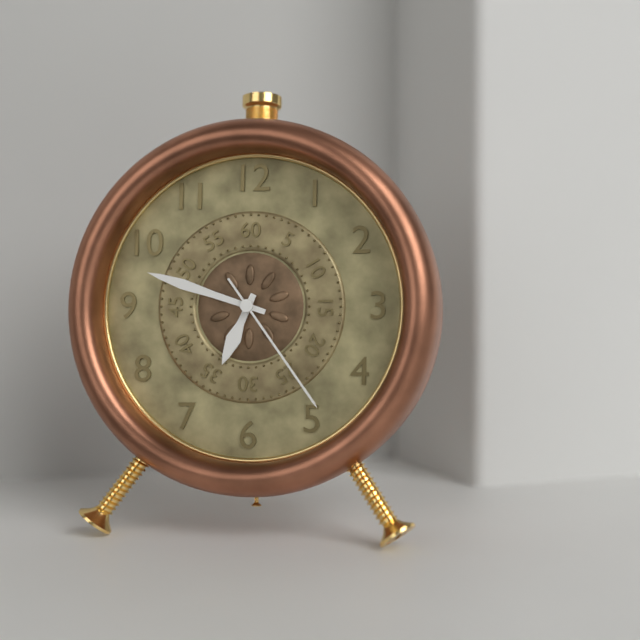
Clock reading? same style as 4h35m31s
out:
6h48m24s
